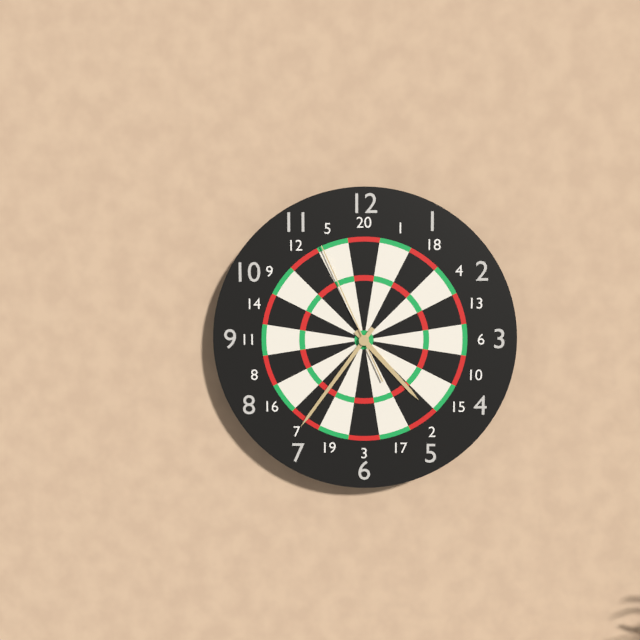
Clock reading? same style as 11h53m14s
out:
4h36m56s
